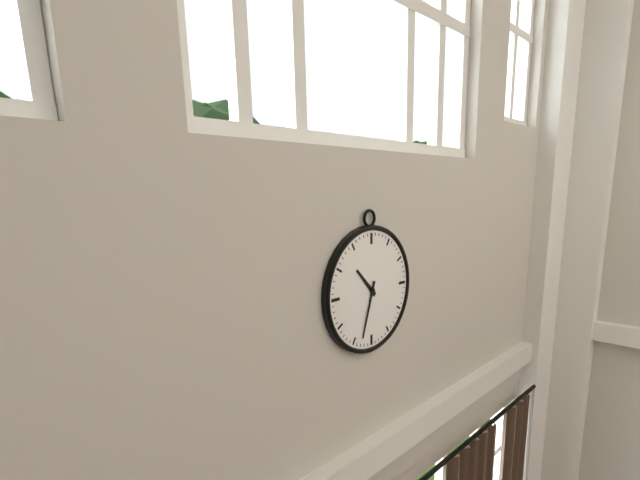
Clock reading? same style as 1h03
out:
10h33
